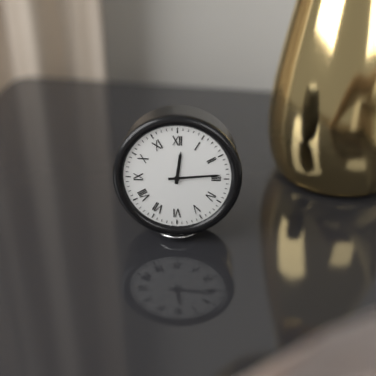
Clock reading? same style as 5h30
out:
12h14
